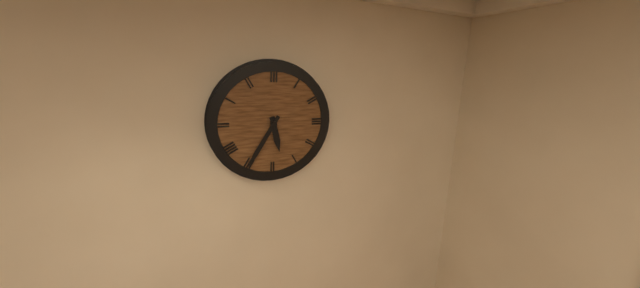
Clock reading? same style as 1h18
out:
5h35
